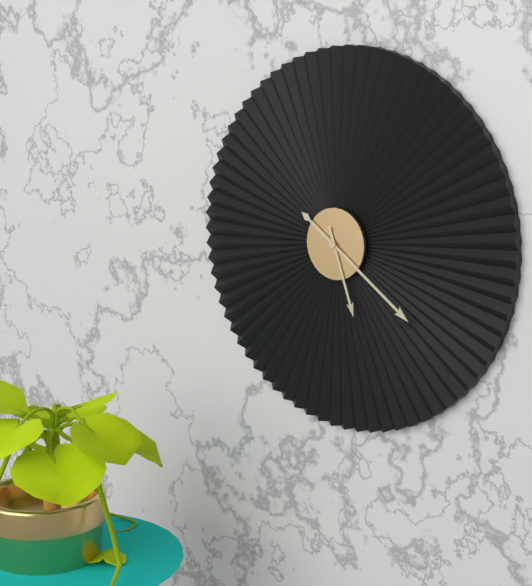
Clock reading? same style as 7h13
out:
5h21
